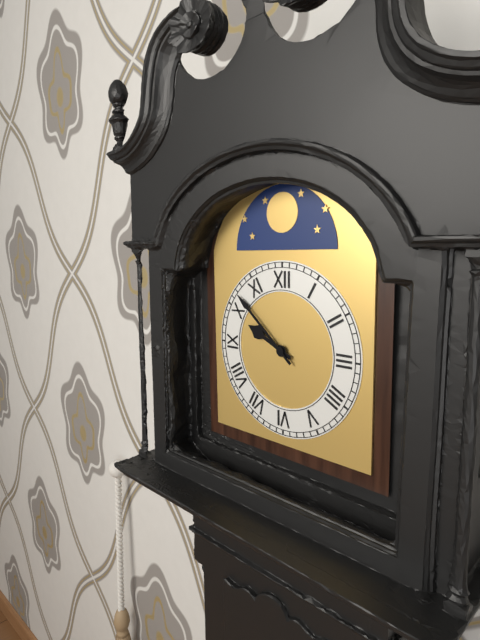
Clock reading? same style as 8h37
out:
9h52
